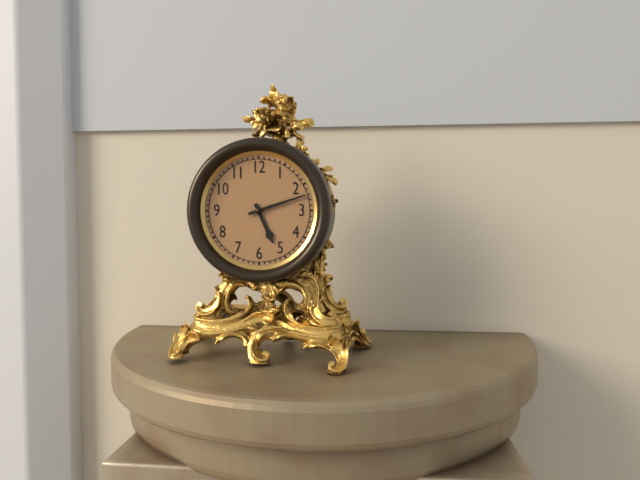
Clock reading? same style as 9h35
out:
5h12
